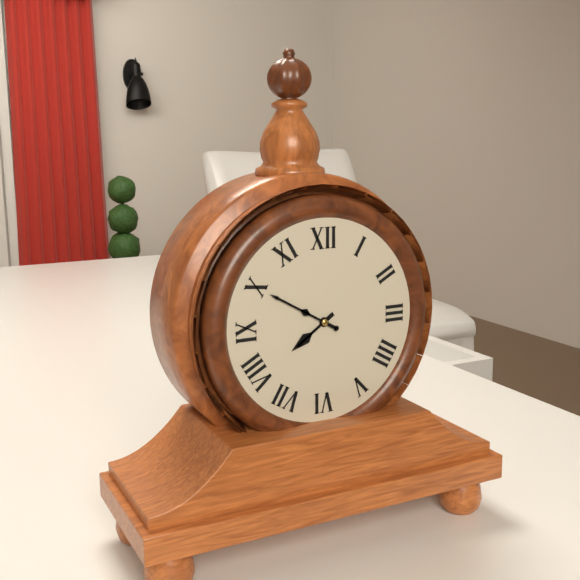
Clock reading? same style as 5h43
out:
7h50
